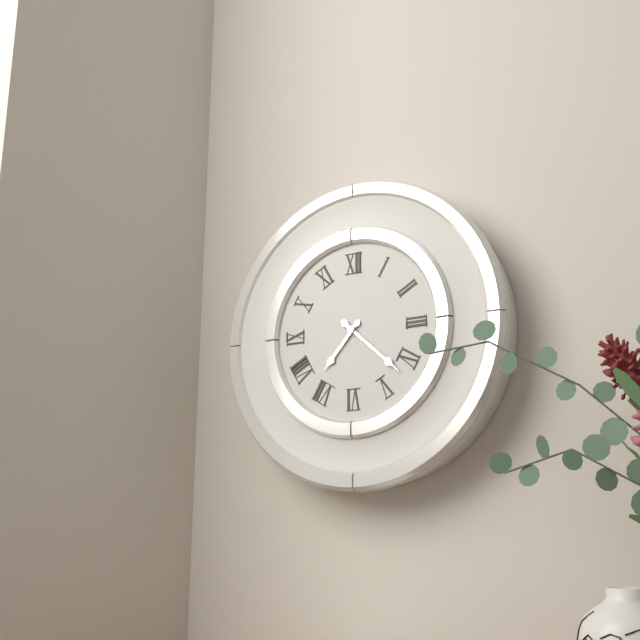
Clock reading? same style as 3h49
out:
7h22
